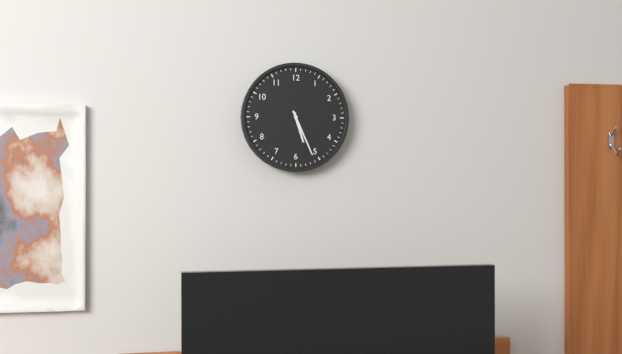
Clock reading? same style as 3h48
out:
5h26
